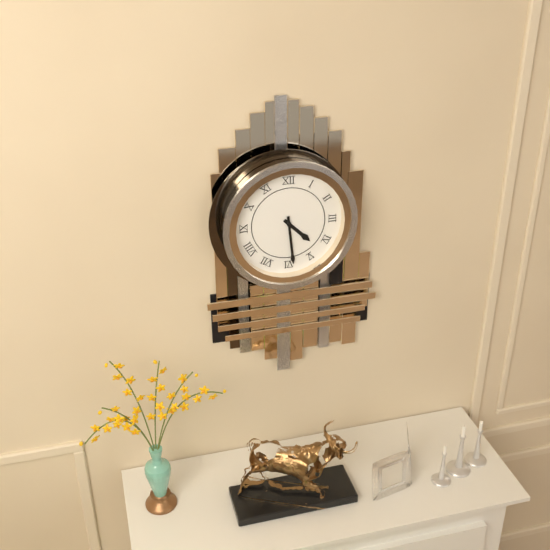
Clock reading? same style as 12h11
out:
4h29
